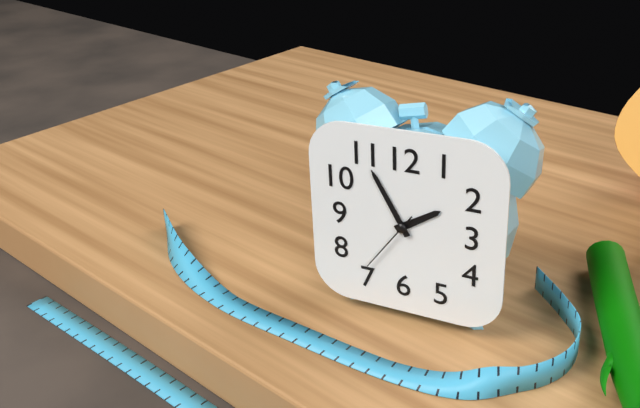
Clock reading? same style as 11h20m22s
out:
1h55m36s
